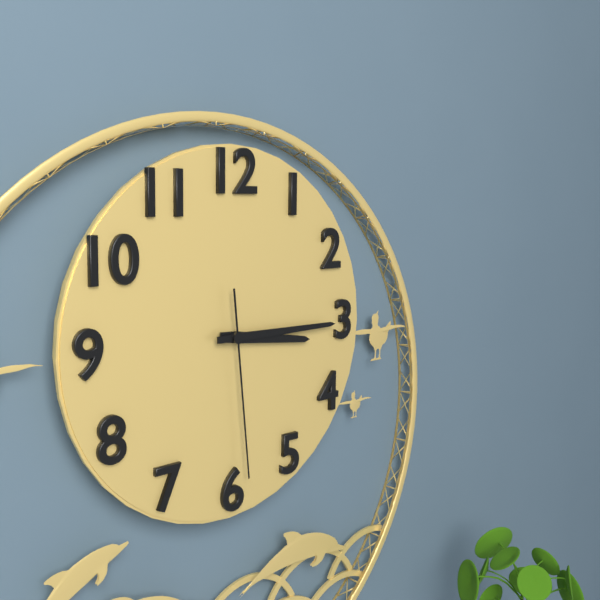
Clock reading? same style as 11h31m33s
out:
3h15m29s
